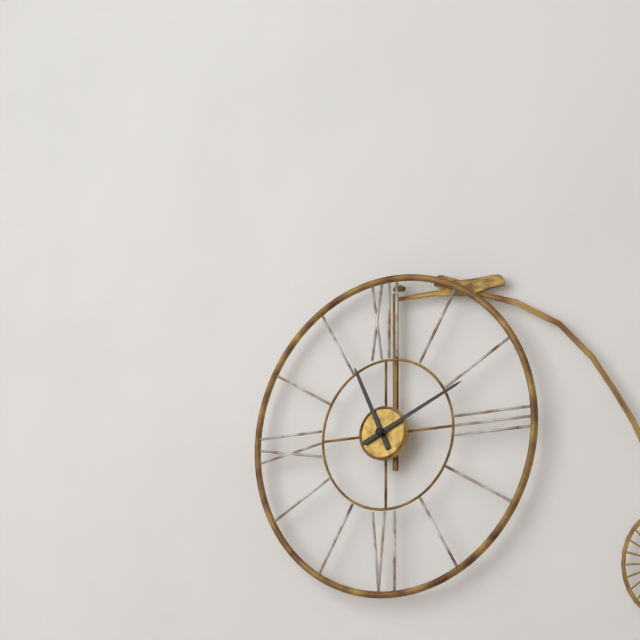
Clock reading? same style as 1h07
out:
11h11
